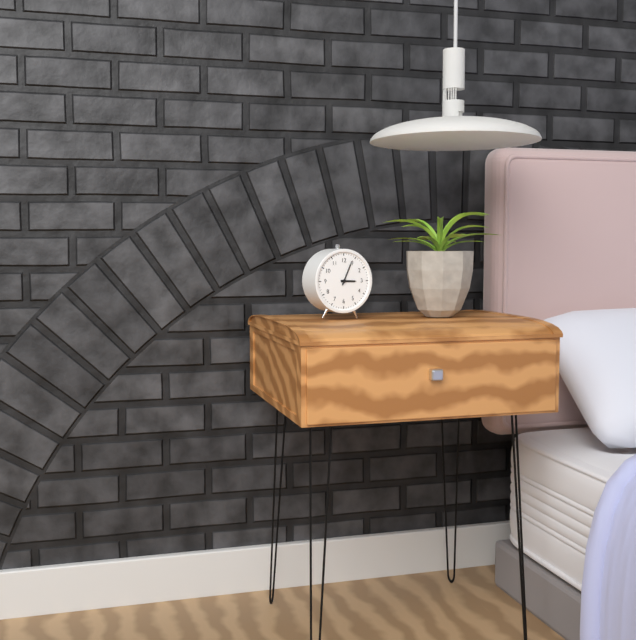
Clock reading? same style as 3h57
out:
3h04
